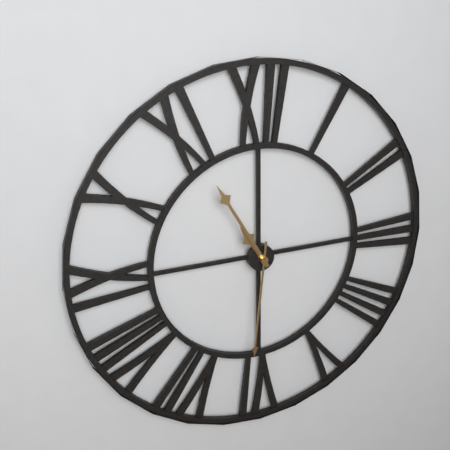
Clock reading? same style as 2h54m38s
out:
10h55m31s
